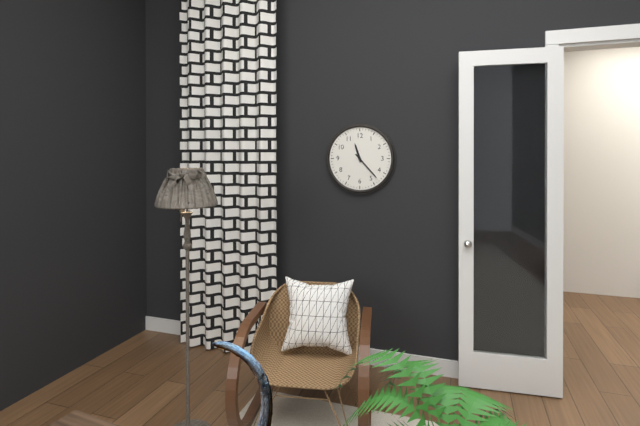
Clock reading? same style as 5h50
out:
11h23
